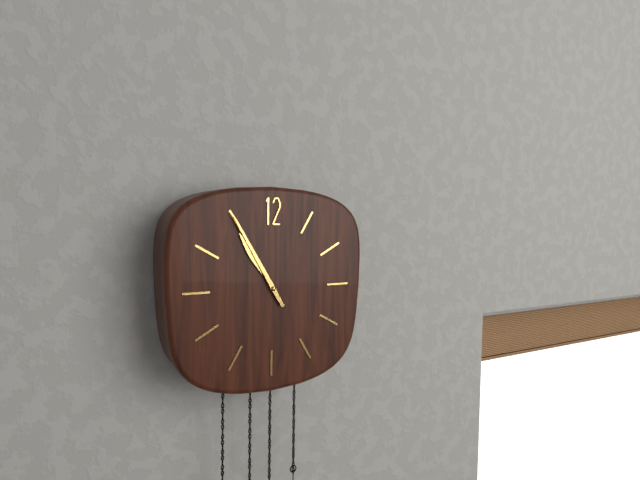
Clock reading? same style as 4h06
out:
10h55
